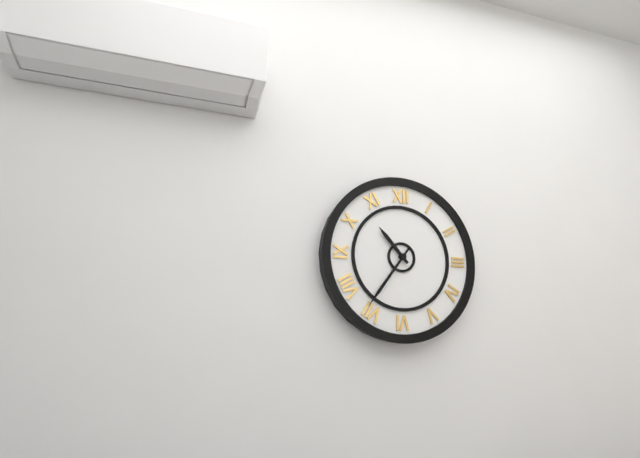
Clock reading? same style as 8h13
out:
10h36
